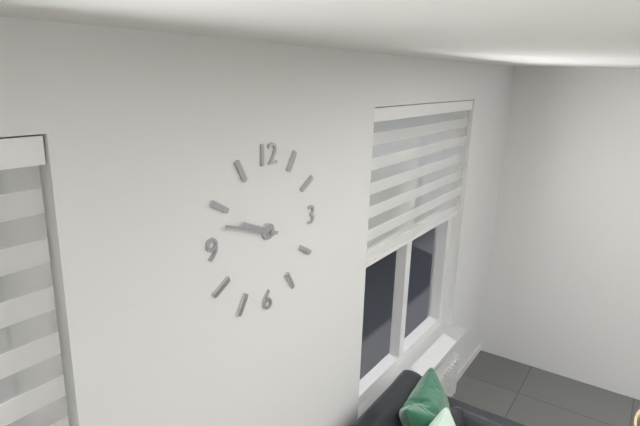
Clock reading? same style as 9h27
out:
9h48
